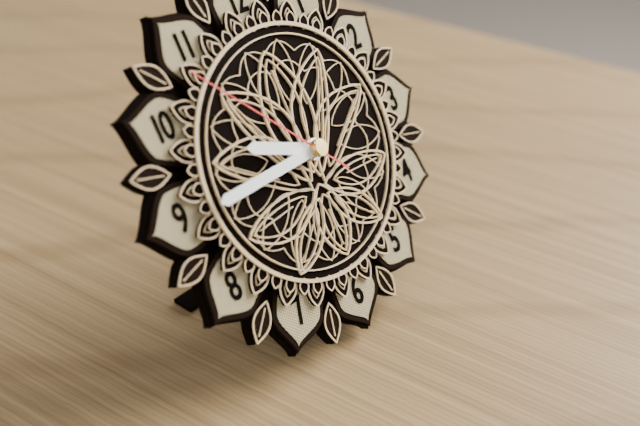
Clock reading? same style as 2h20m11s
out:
9h45m53s
